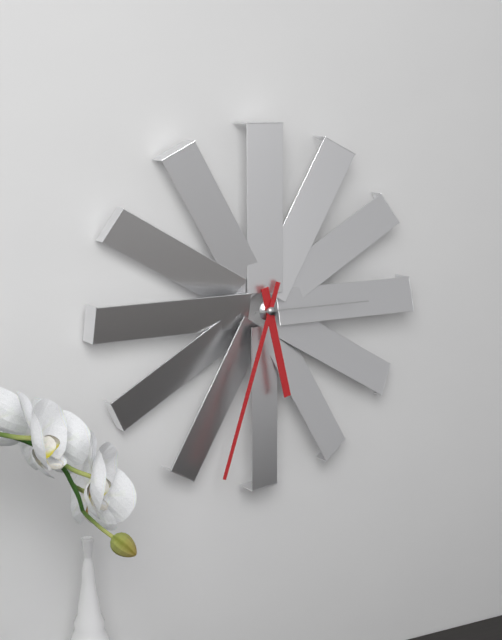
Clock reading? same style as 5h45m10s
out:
5h33m15s
